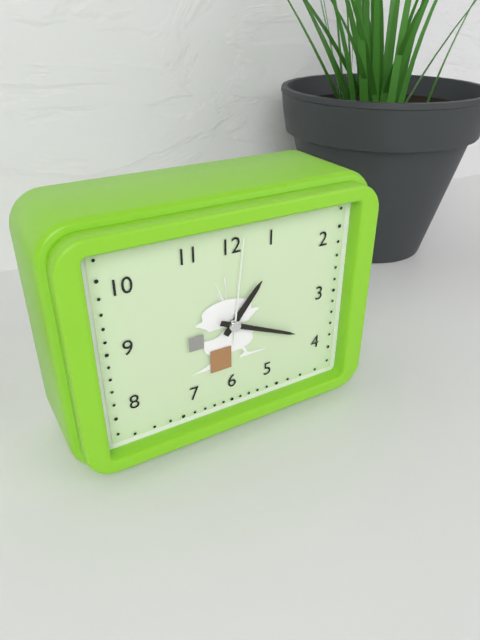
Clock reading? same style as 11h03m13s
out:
1h19m01s
